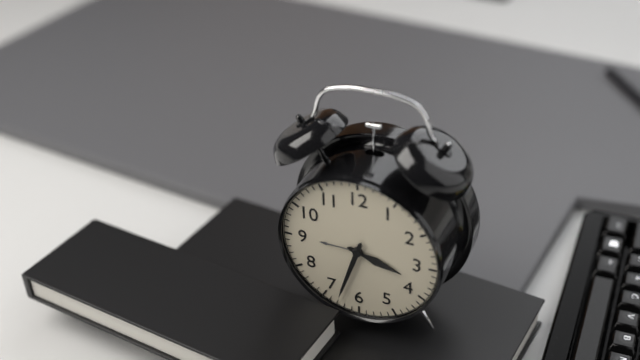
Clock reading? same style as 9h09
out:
3h33
